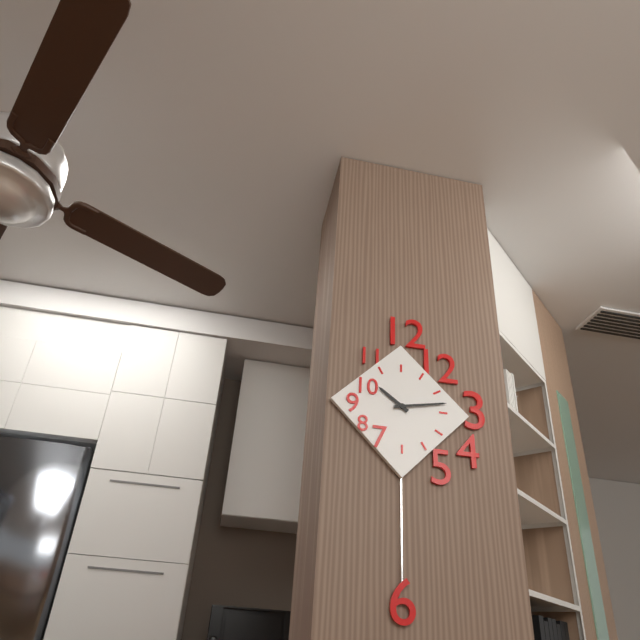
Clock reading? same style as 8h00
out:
10h13
